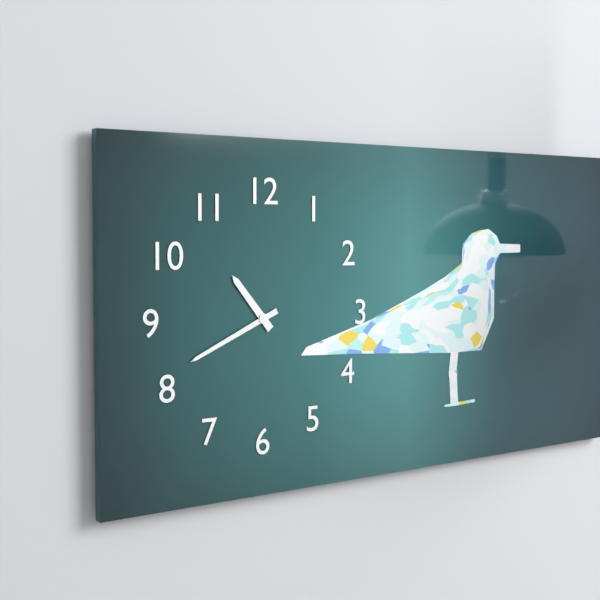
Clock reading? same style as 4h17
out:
10h41
